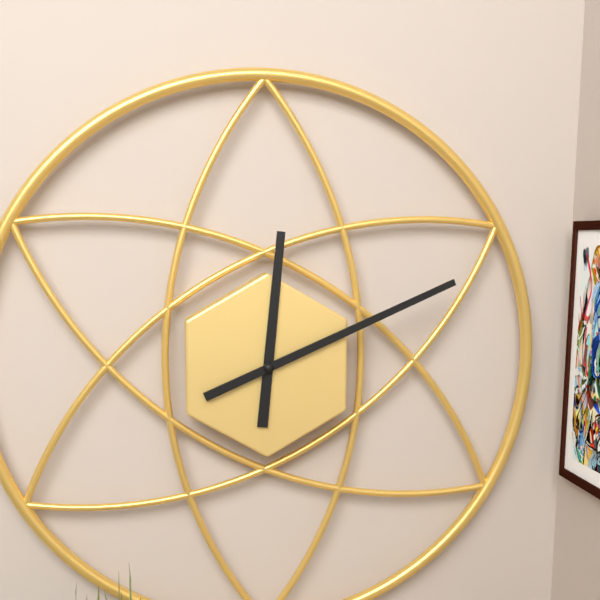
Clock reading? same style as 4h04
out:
12h11
